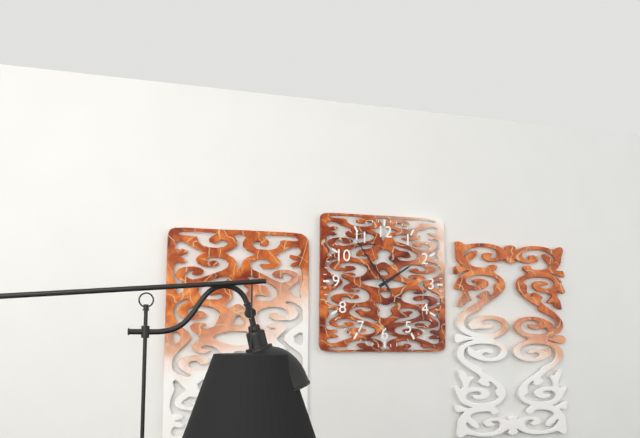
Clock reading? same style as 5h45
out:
1h54
